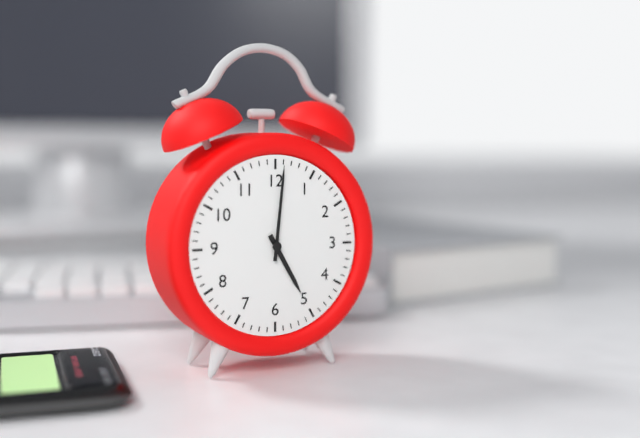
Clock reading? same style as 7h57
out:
5h01
